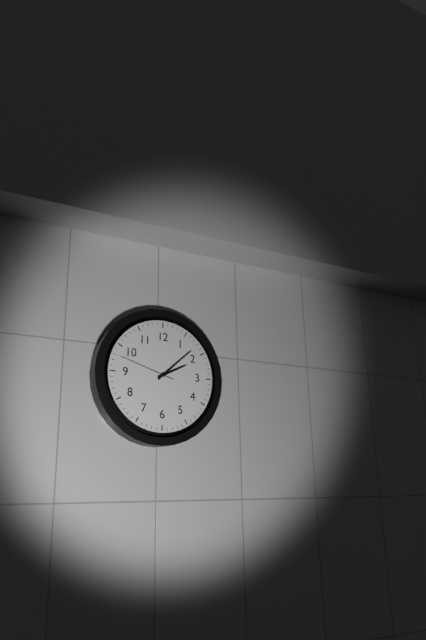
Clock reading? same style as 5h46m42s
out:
2h08m48s
